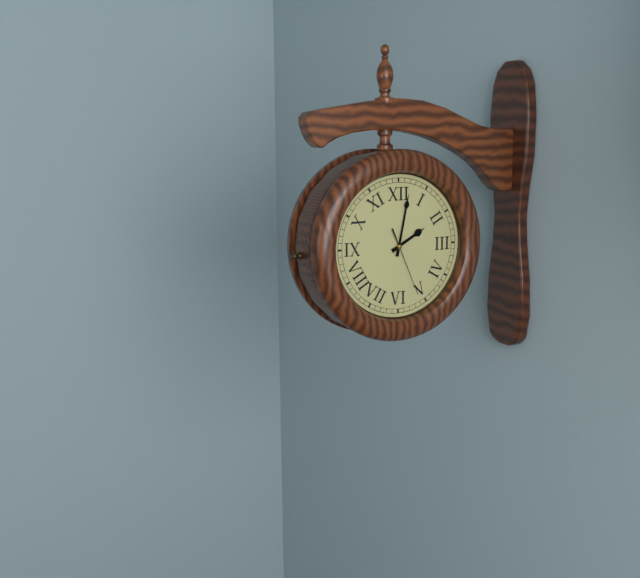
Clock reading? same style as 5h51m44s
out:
2h02m26s
